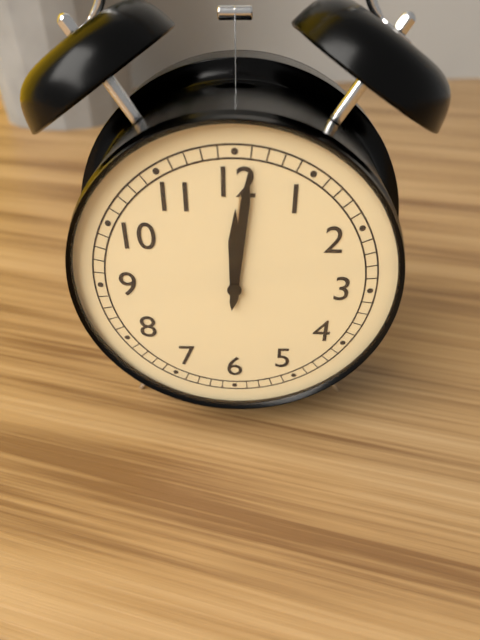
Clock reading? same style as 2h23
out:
12h01
